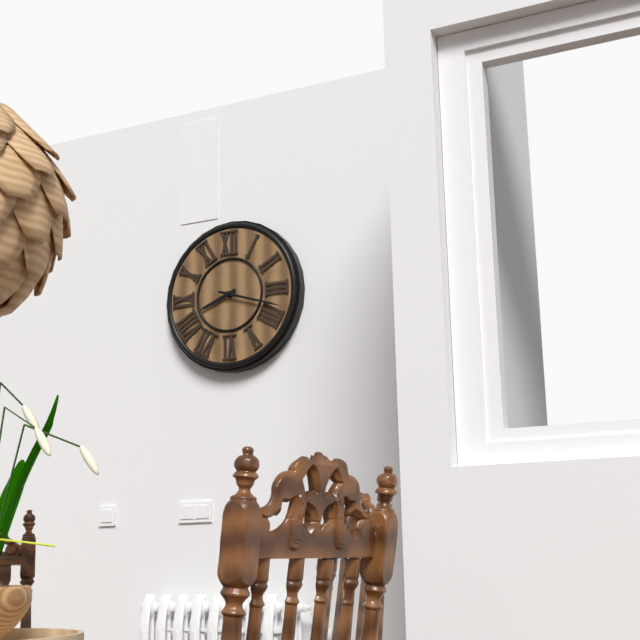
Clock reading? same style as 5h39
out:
8h18
